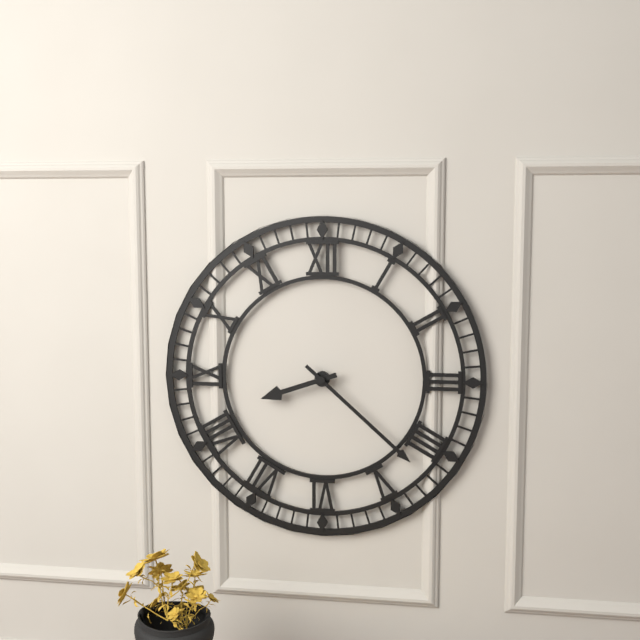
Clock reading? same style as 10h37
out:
8h22
